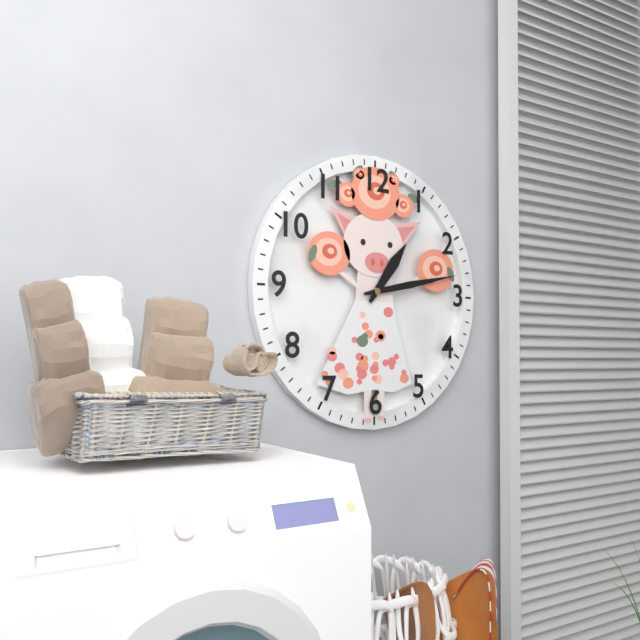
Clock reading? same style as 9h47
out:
1h13
